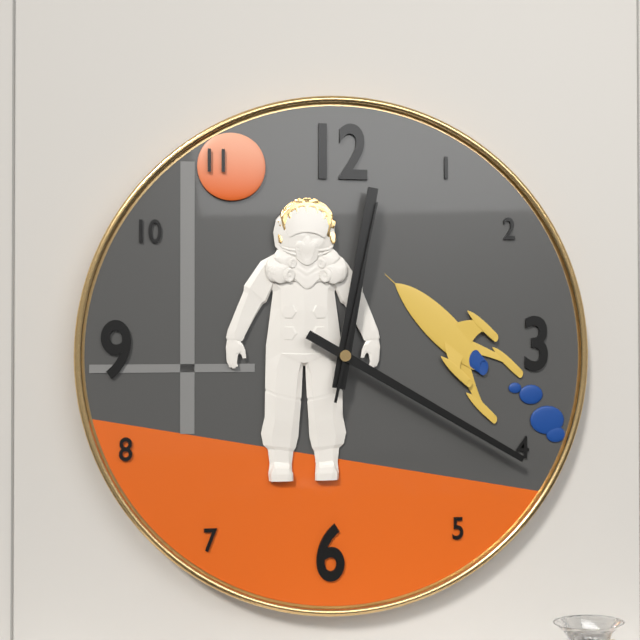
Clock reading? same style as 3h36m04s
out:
12h20m02s
